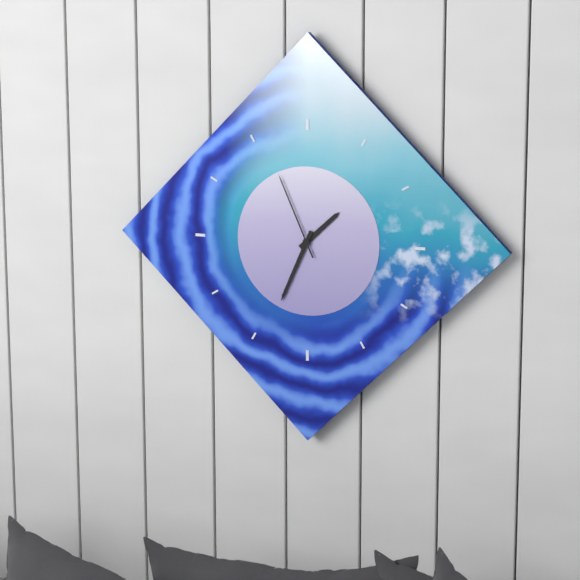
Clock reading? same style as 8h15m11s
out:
1h34m56s
